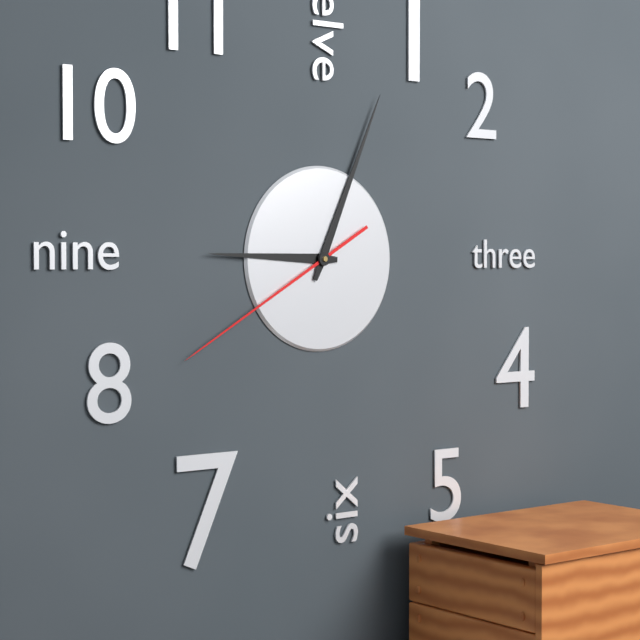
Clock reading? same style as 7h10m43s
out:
9h04m40s
